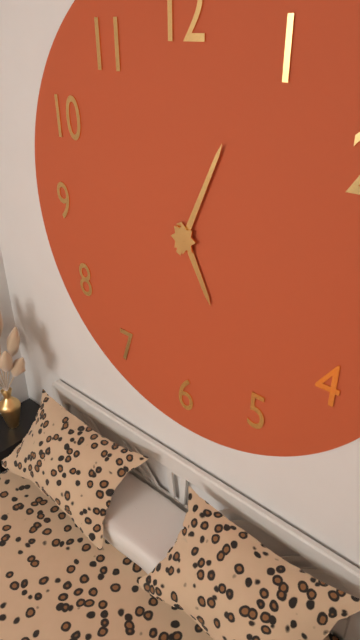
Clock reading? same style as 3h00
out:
5h04
